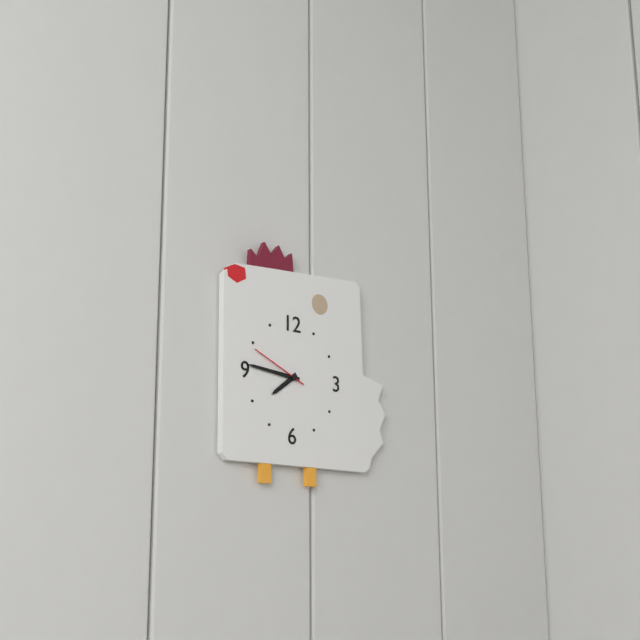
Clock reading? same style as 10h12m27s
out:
7h46m49s
